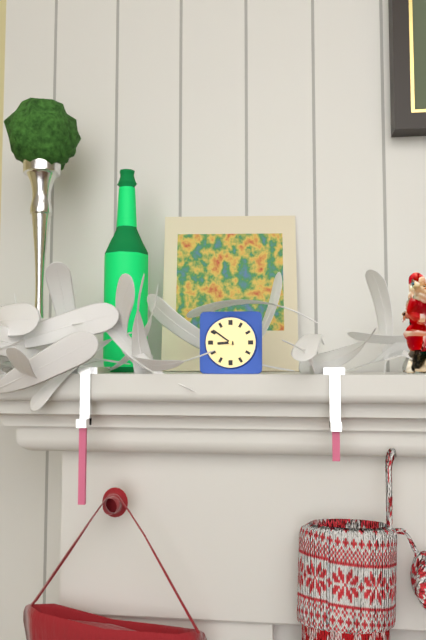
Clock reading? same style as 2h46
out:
8h51
